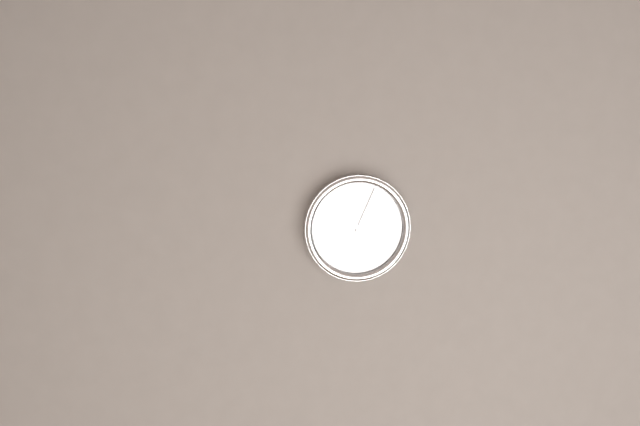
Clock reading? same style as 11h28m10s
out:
11h04m19s
